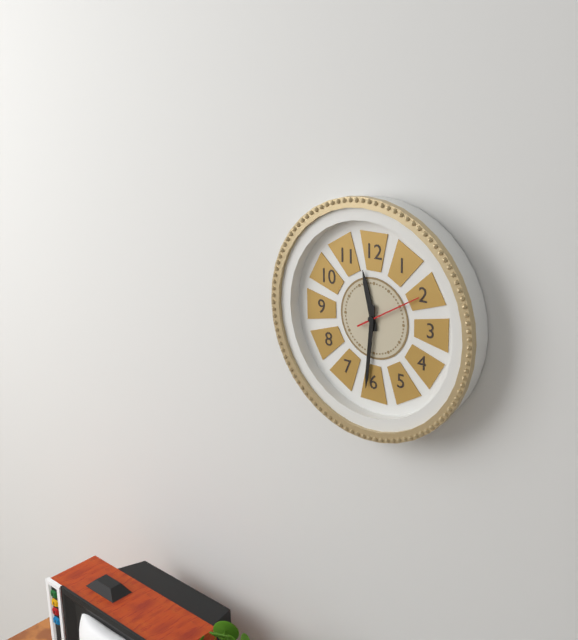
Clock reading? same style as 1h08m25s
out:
11h31m10s
